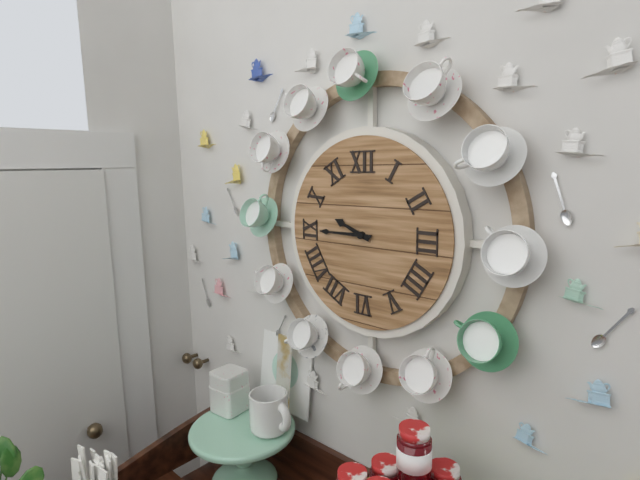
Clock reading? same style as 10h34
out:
9h45
